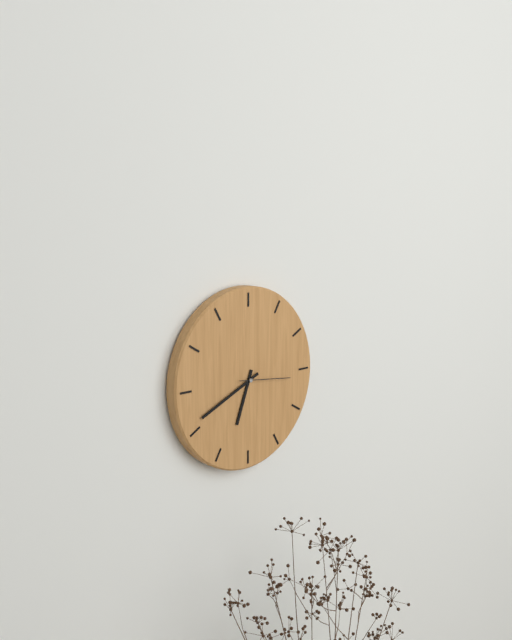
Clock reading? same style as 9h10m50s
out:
6h41m16s
